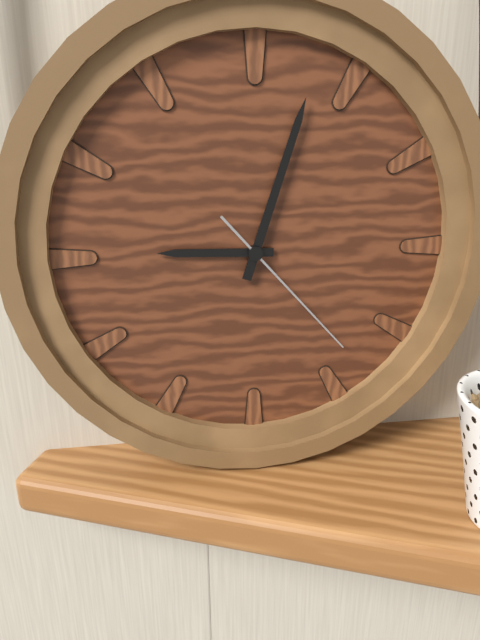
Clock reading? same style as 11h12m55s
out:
9h03m23s
